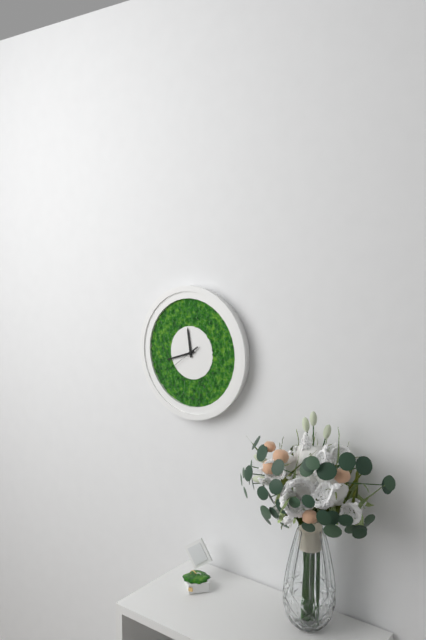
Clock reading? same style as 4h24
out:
11h42
